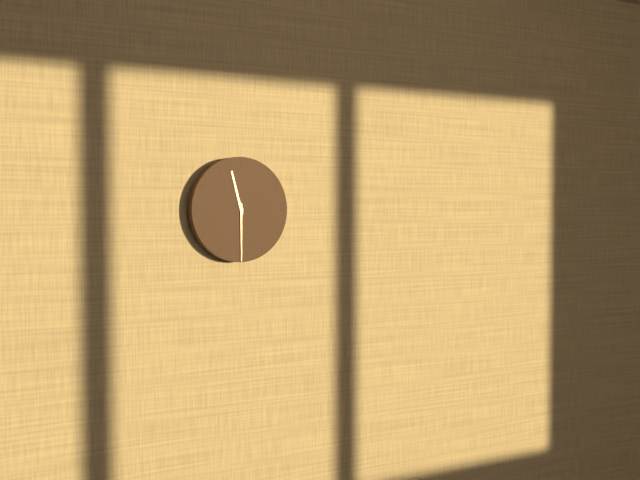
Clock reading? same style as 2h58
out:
11h30
